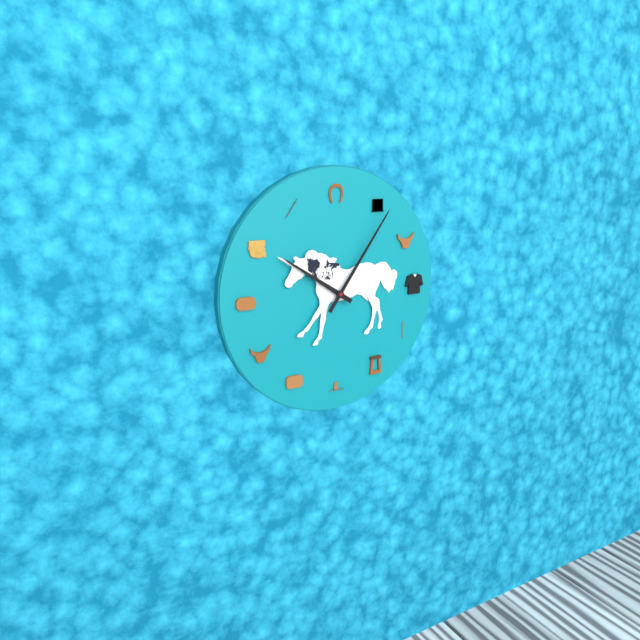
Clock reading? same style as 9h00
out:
10h06
